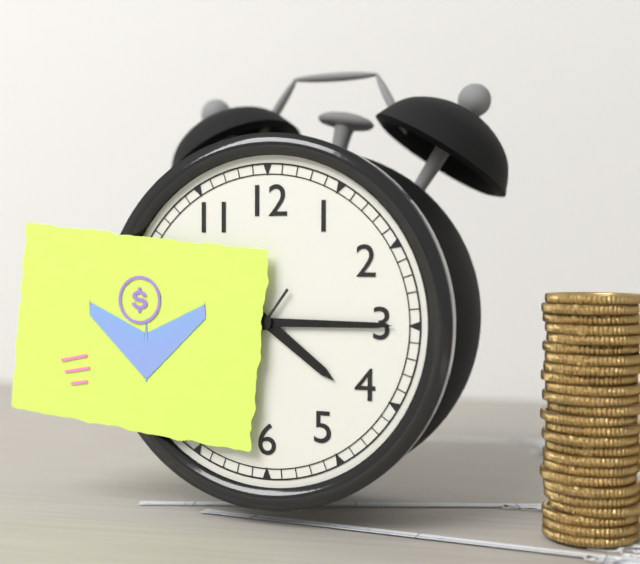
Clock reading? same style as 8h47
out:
4h15
